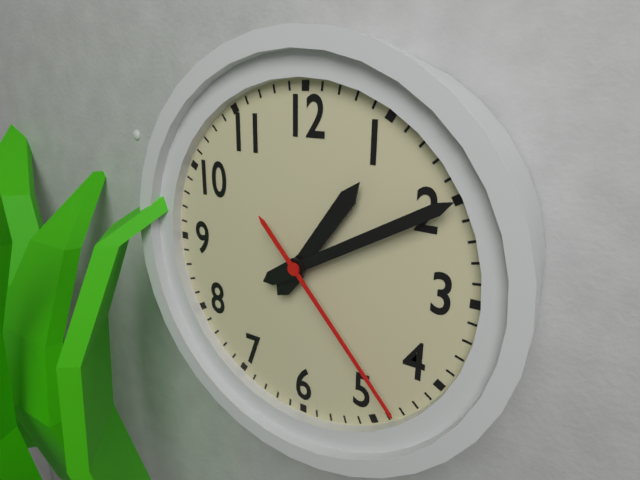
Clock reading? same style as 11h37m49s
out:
1h10m23s
